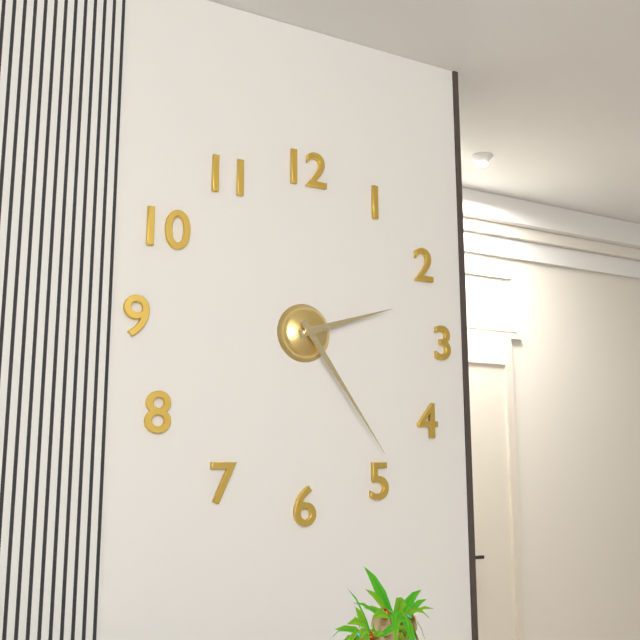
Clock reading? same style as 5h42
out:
2h24
